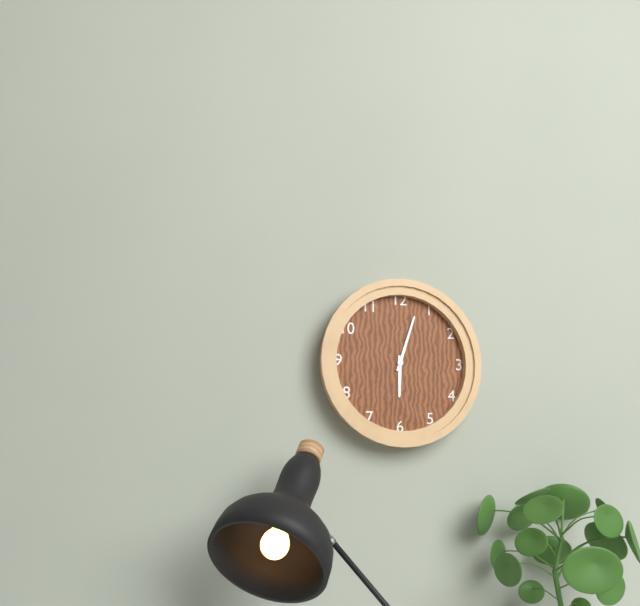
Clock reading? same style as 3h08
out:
6h03
